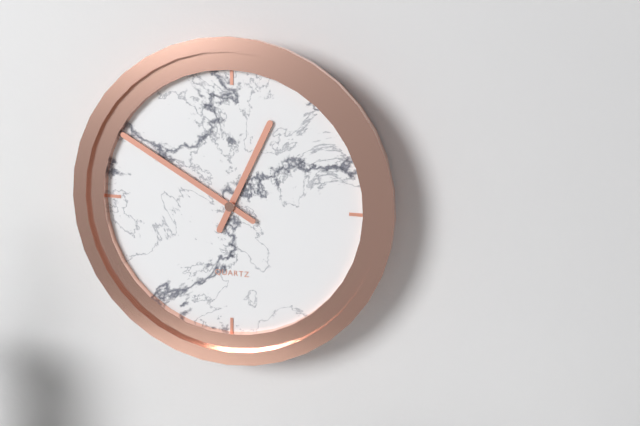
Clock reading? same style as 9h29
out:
12h50
